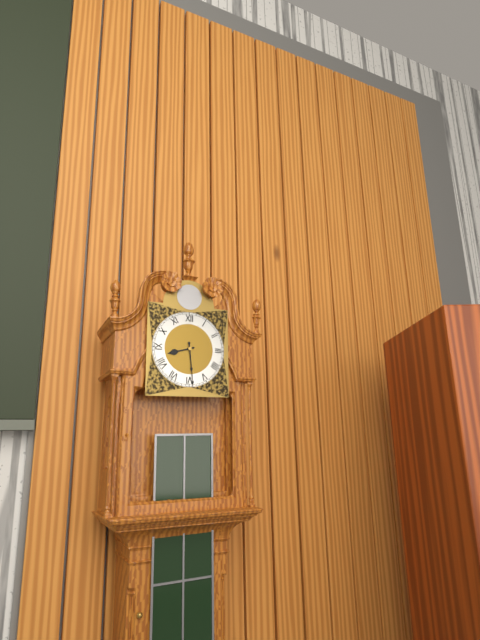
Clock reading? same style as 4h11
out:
8h29
